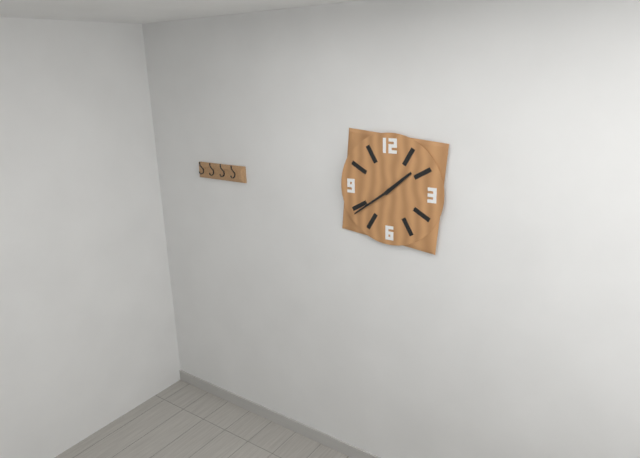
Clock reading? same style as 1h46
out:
1h39
